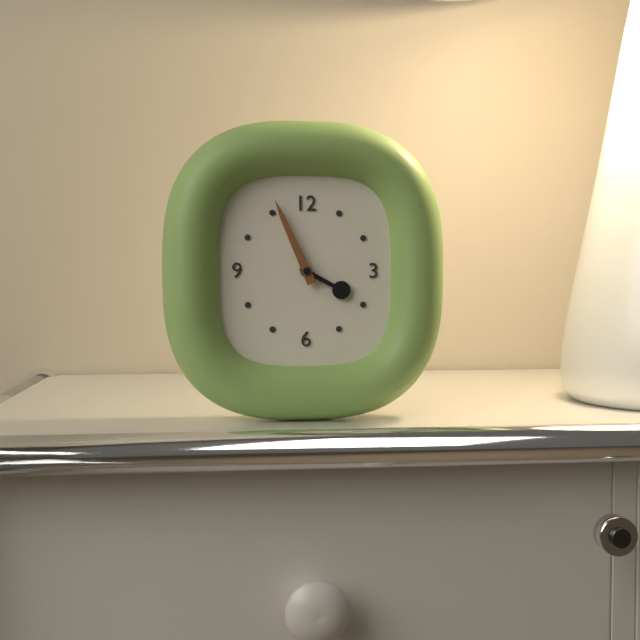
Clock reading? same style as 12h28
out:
3h56
